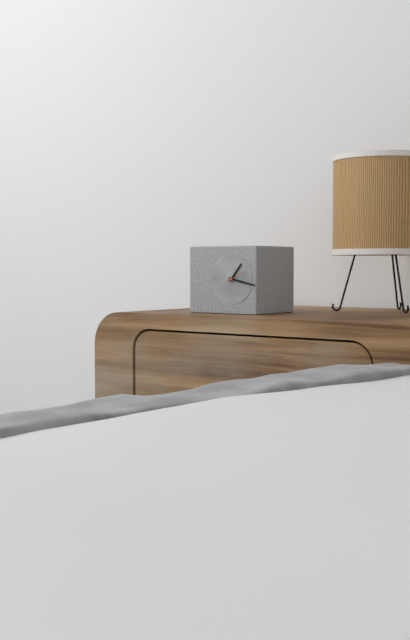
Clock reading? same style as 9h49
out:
1h17
